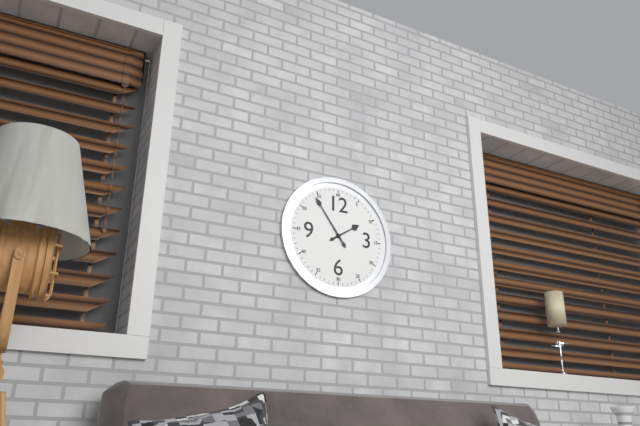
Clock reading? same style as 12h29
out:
1h54
